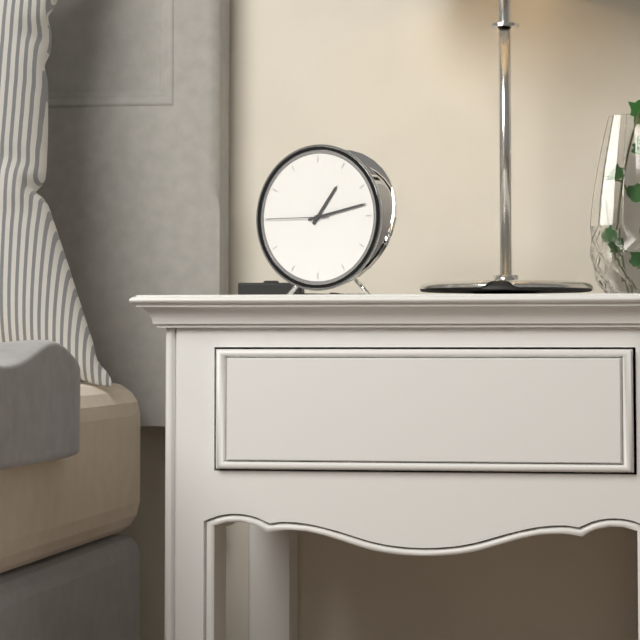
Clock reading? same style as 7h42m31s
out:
1h13m45s
